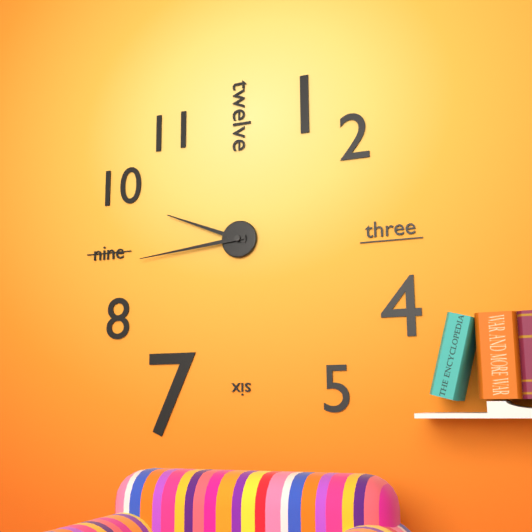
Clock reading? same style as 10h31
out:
9h44
